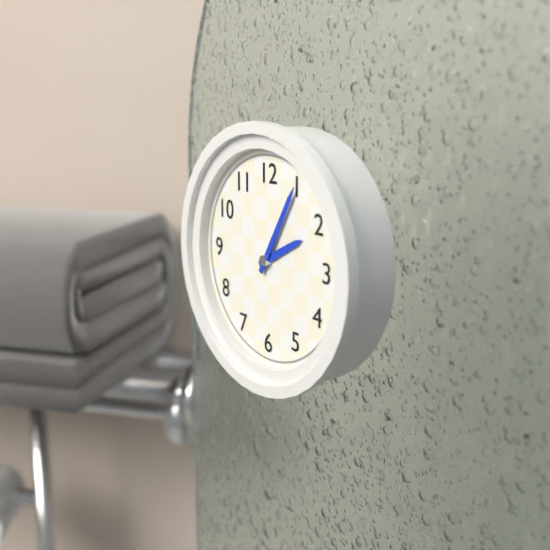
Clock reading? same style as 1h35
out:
2h05
